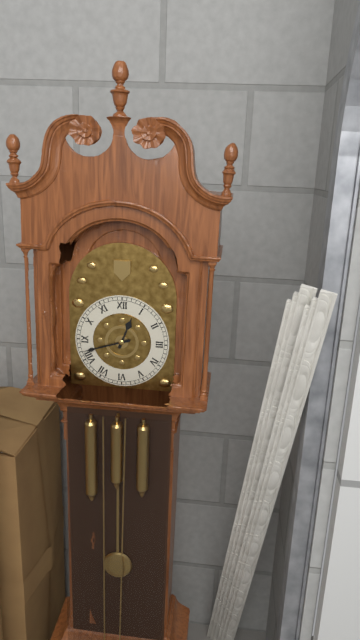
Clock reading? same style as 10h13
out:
12h42
